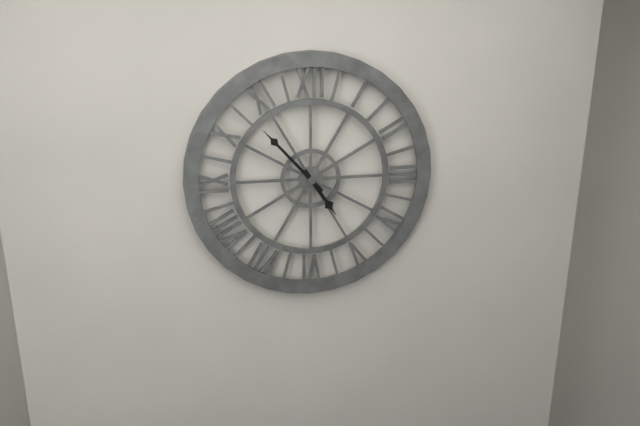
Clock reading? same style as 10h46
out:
4h53
